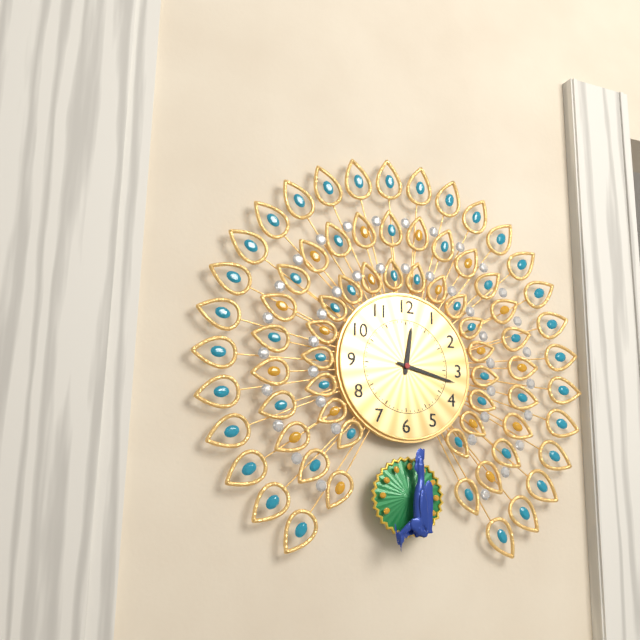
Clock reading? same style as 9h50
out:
12h17
